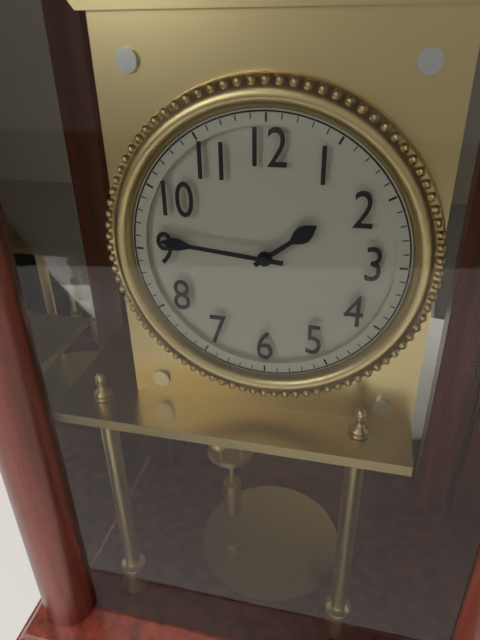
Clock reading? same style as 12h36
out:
1h46
